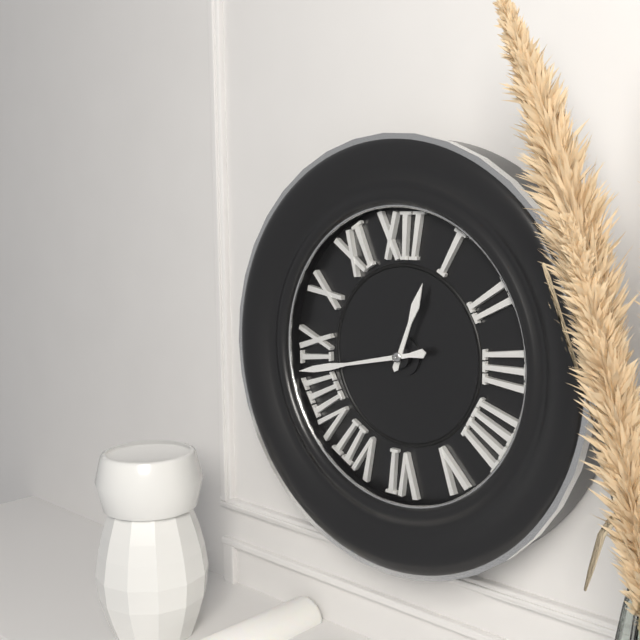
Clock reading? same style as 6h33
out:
12h43
